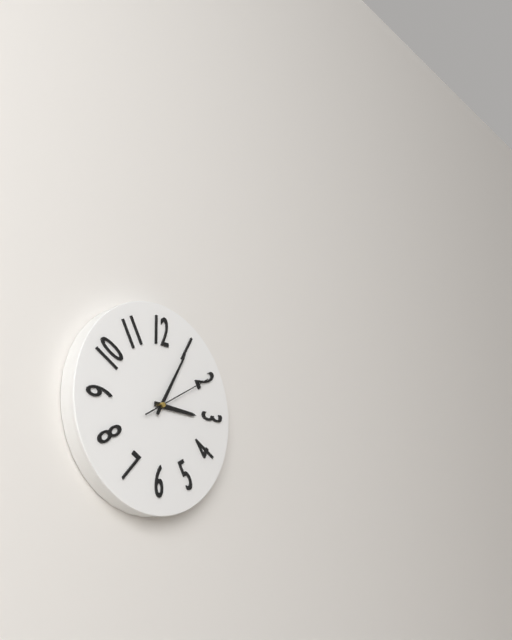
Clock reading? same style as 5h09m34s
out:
3h05m10s
